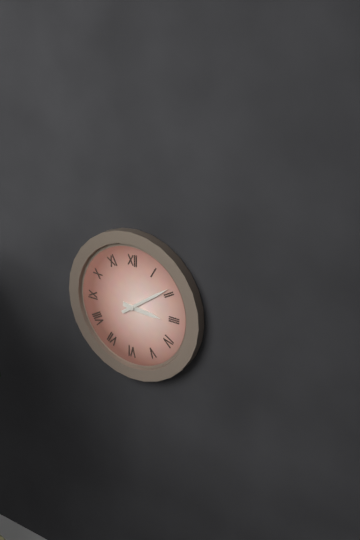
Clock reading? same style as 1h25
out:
3h09
